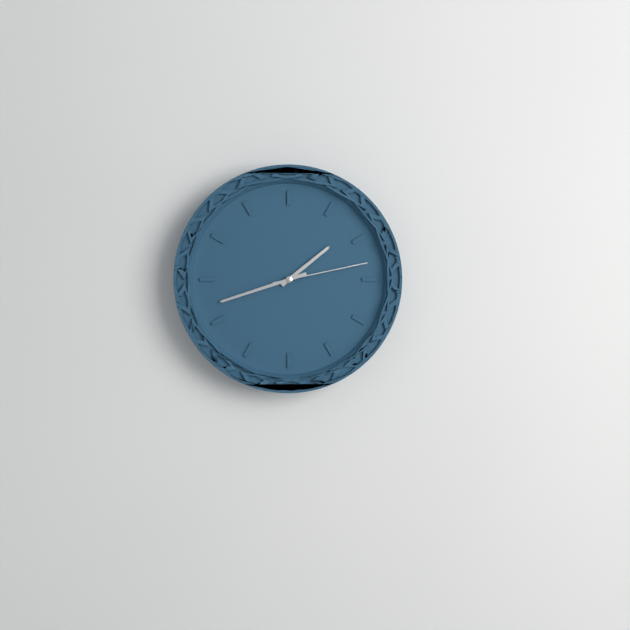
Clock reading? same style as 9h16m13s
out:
1h42m13s
